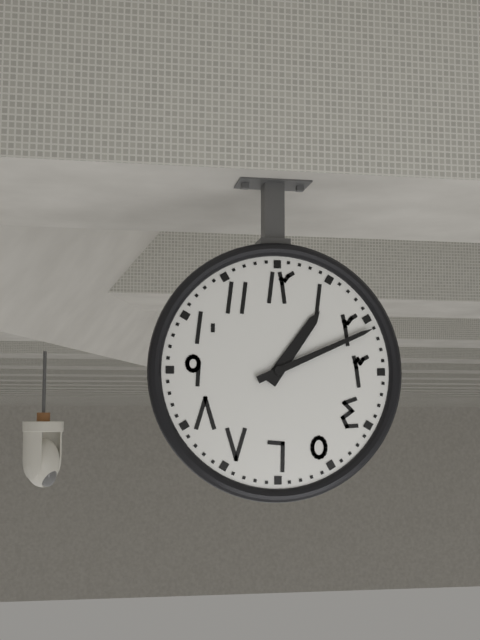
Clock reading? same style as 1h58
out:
1h11
